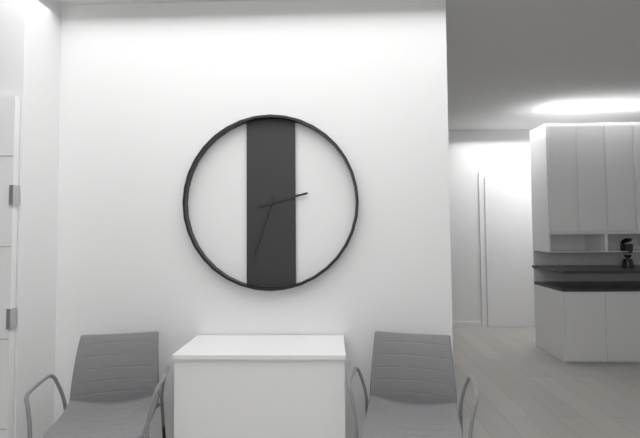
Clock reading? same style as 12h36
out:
2h33
